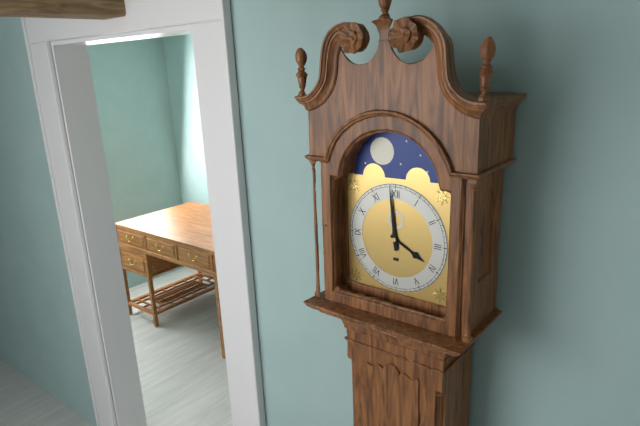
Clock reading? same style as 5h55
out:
3h59
